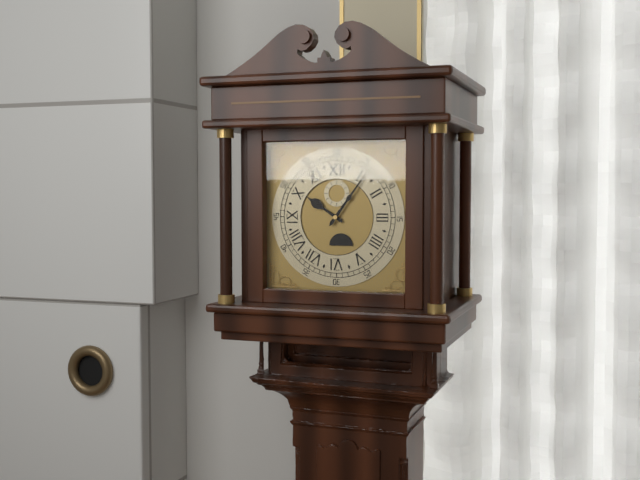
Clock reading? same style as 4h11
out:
10h06
